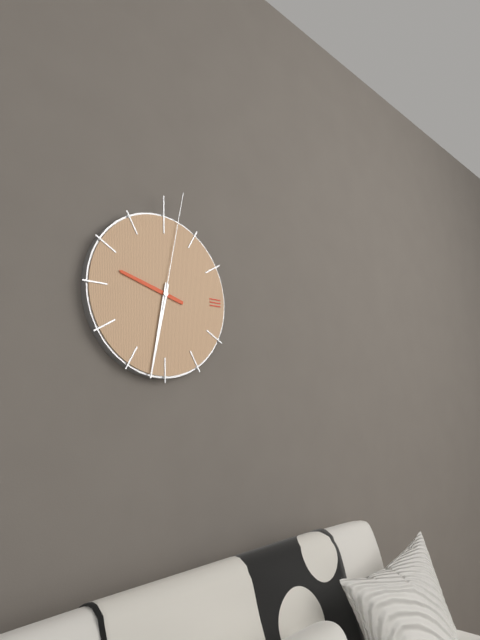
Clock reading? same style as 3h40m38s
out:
9h32m02s
